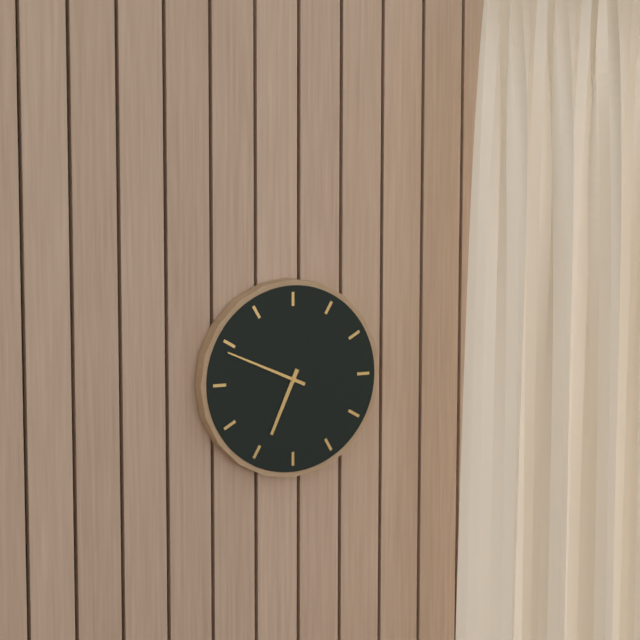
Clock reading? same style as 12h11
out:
6h49
